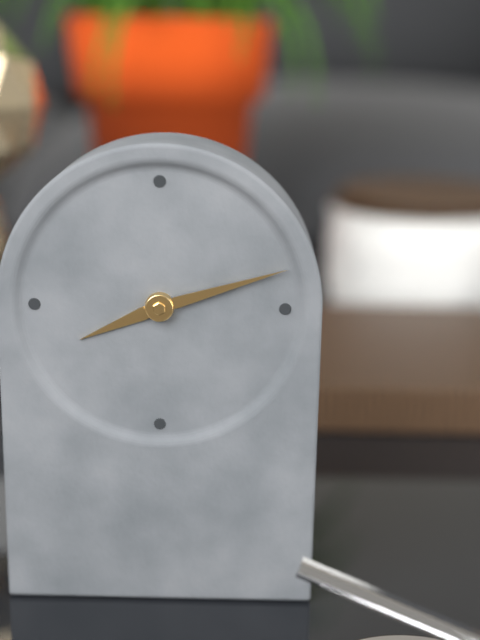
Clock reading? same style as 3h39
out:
8h12
